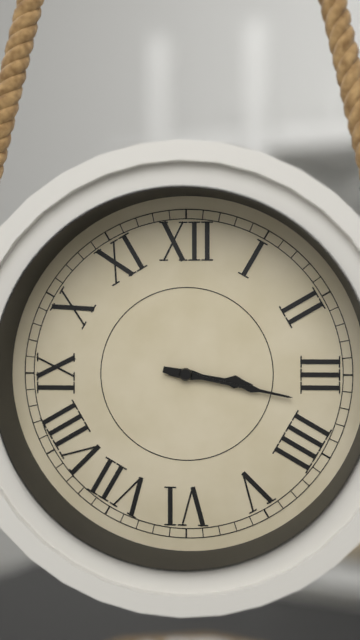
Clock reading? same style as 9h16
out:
3h17
